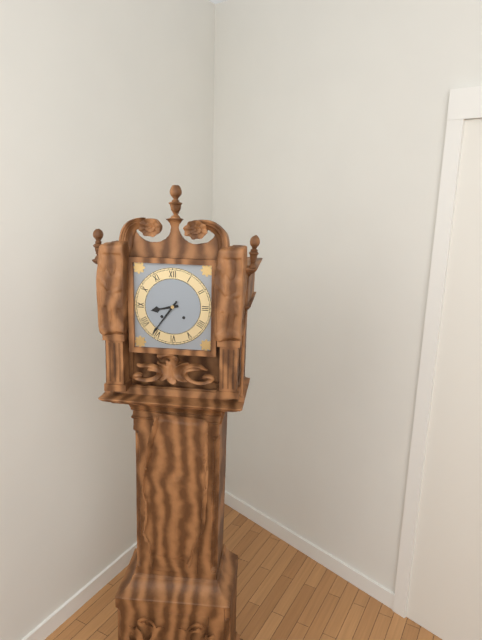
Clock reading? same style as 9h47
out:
8h36
